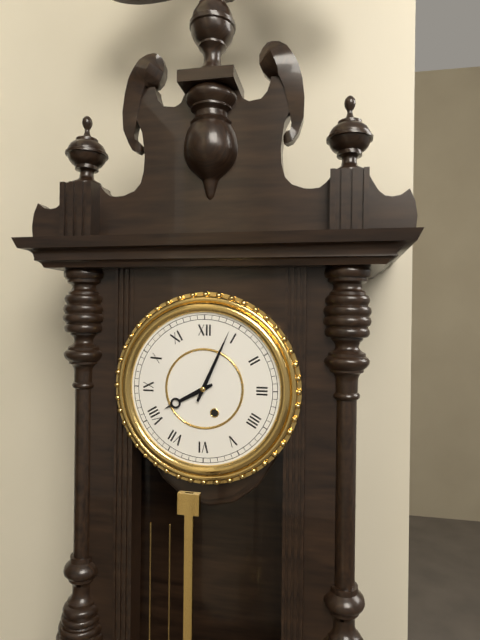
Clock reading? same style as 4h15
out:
8h04
